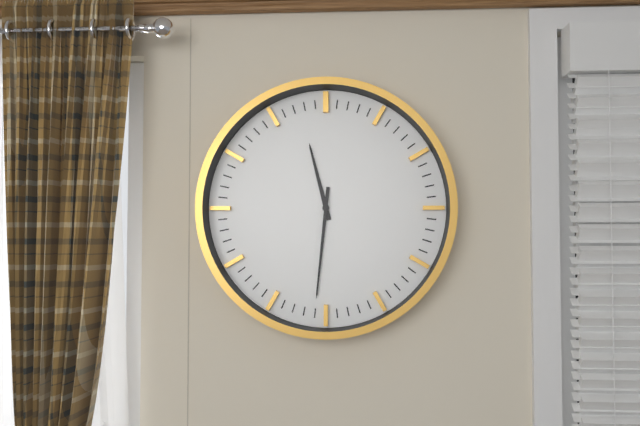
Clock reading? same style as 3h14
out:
11h31
